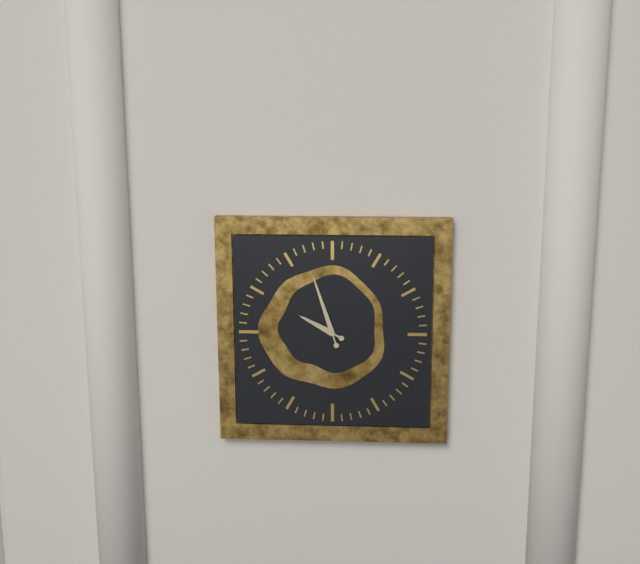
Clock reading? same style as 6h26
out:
9h57
